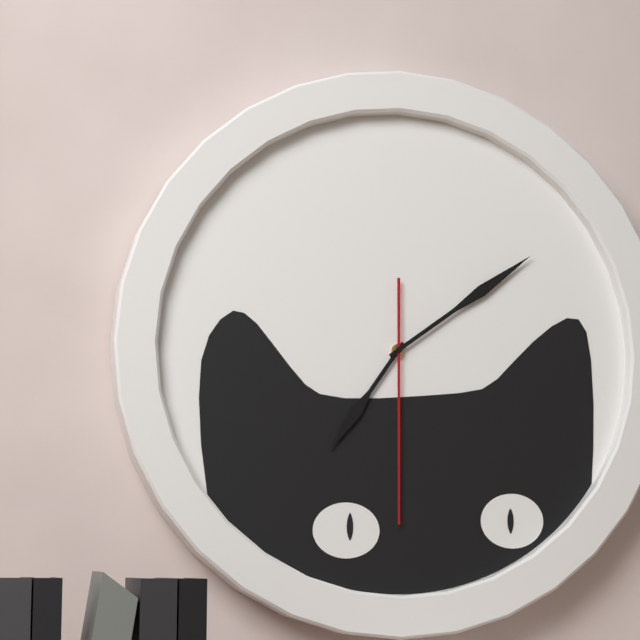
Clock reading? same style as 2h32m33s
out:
7h09m30s
